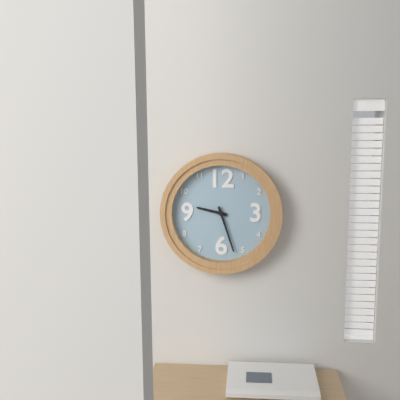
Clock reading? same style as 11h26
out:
9h27
